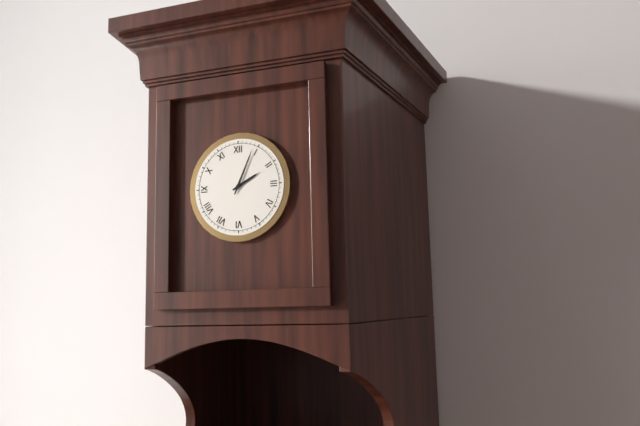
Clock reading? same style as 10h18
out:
2h04
